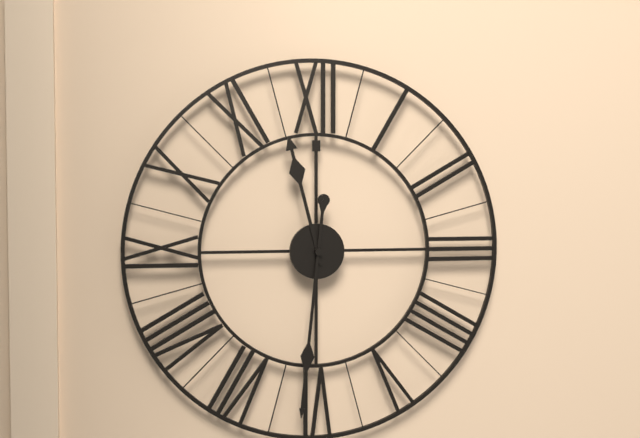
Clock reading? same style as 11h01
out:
11h31
